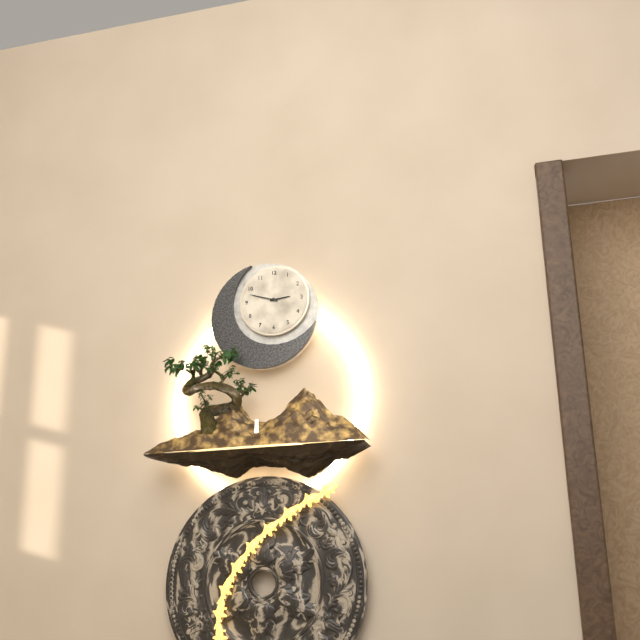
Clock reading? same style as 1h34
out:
2h48
